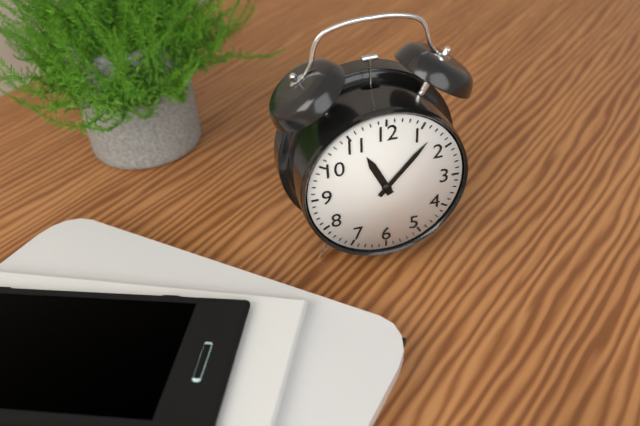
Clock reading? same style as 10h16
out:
11h07
